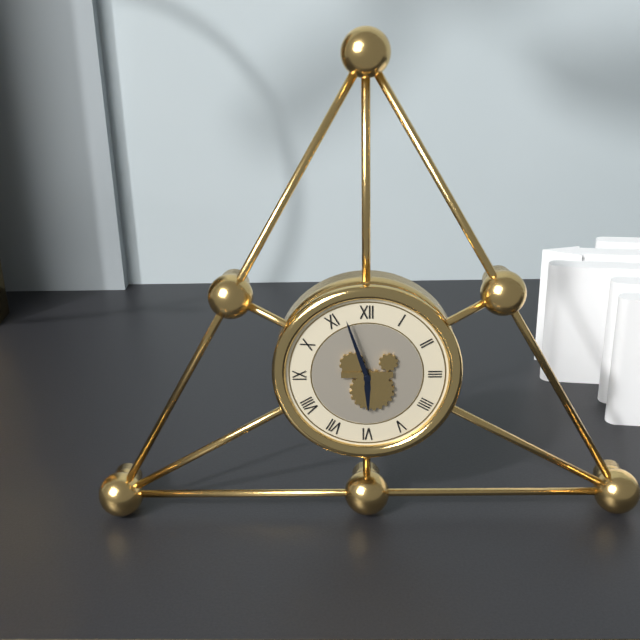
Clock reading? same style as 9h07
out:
5h57
